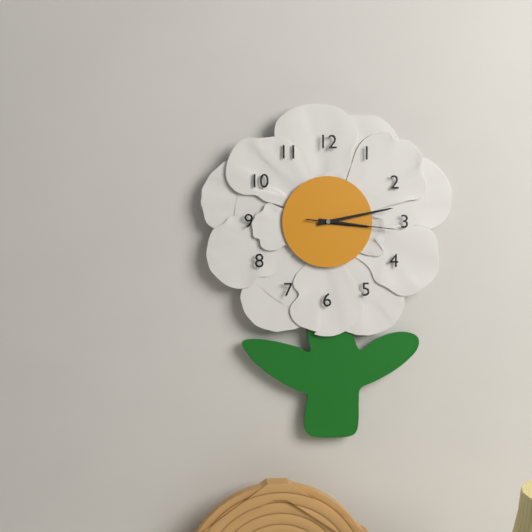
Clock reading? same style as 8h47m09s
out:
3h13m16s
